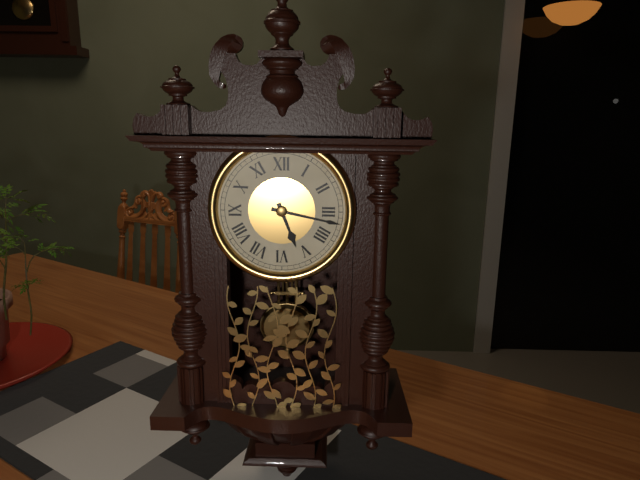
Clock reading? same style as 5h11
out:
5h17
